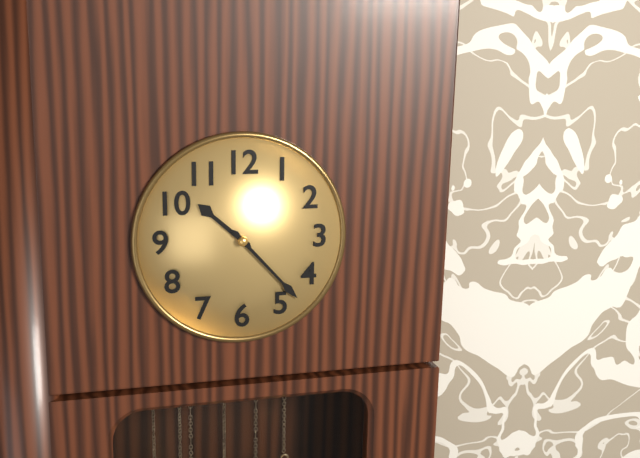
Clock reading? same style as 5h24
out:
10h23
